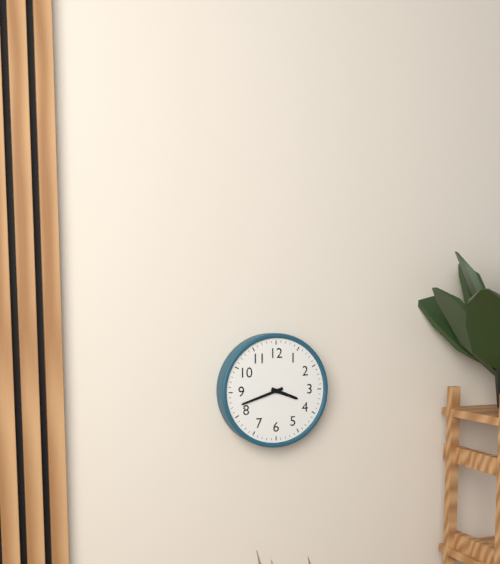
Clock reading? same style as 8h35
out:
3h42
